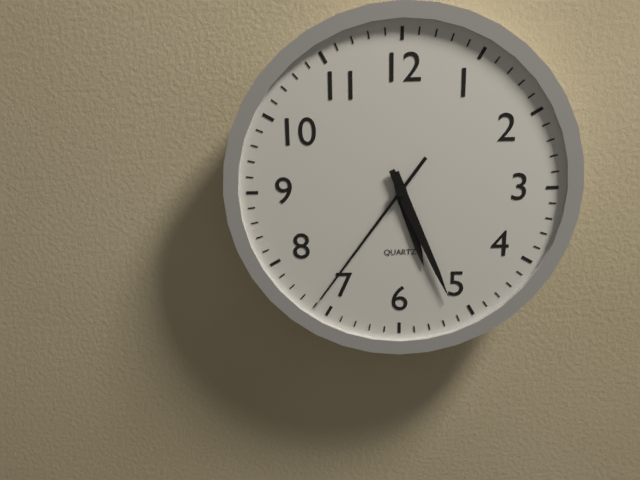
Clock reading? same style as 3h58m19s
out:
5h26m36s
